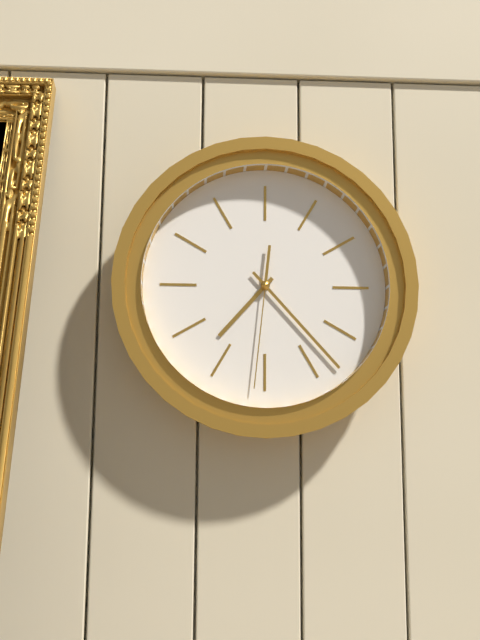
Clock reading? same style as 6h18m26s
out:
7h23m31s
